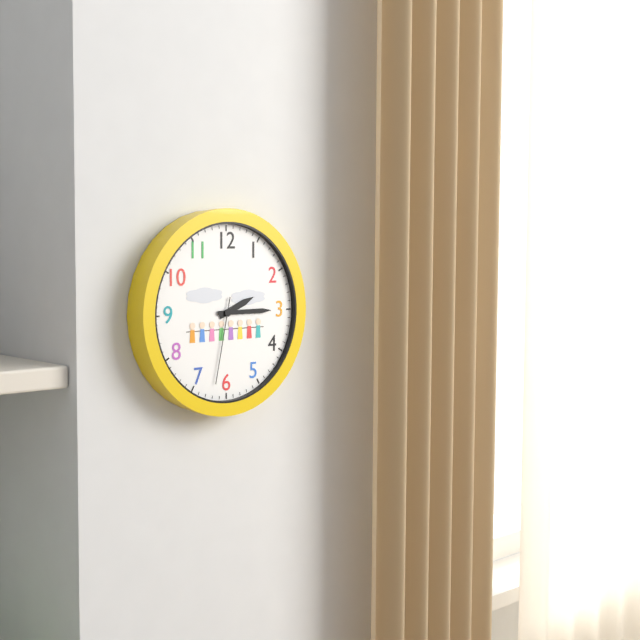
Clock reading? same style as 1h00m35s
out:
2h15m32s
